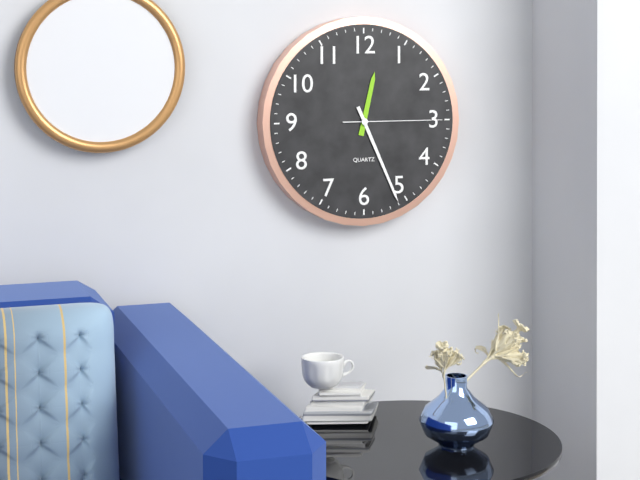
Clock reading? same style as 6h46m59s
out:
12h26m15s
